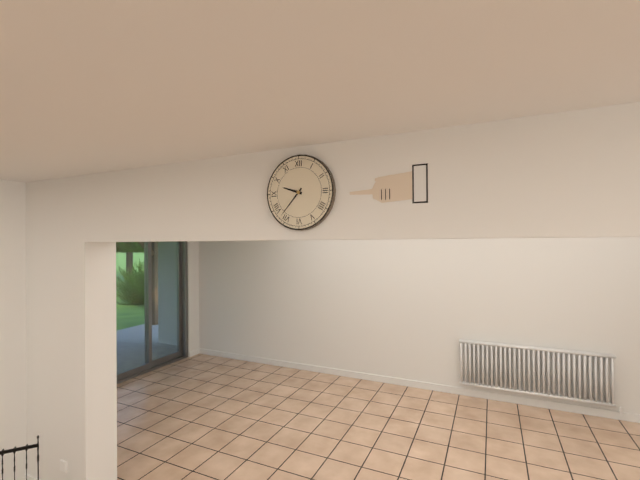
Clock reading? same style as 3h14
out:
9h37
